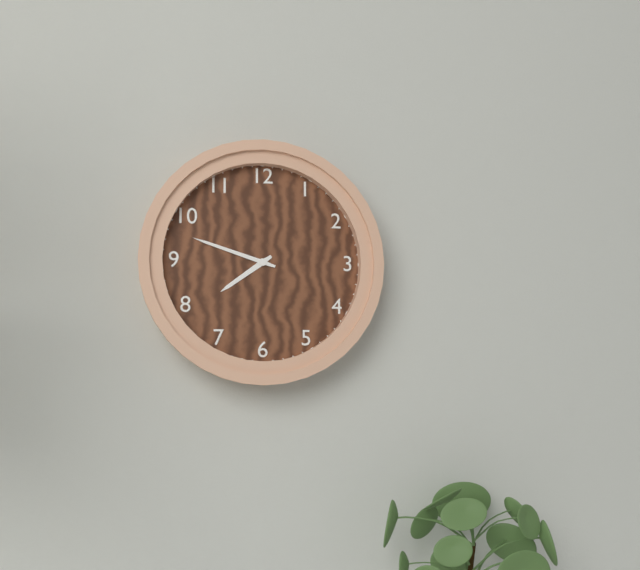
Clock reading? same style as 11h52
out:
7h48
